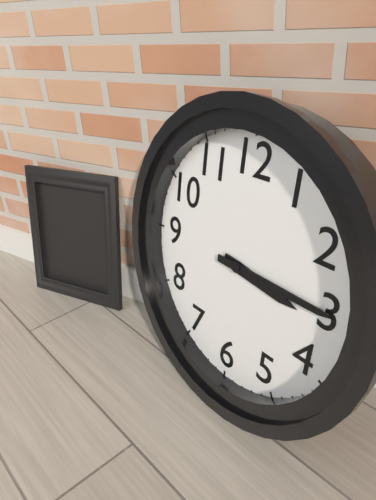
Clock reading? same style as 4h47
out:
3h15
